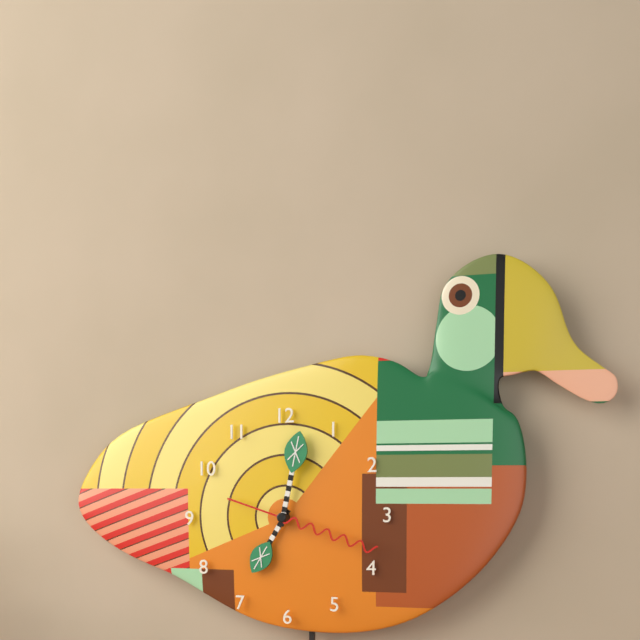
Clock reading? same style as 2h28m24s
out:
7h02m18s
